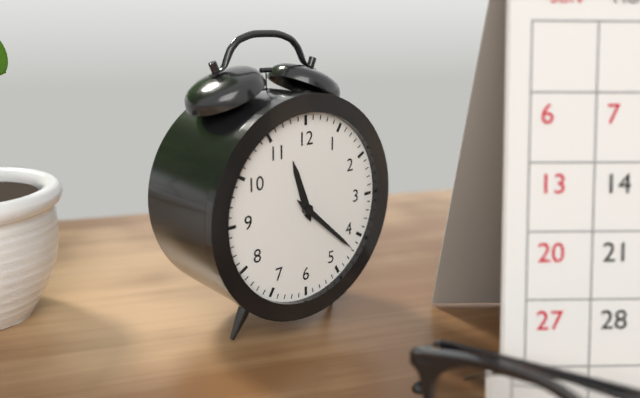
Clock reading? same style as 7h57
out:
11h22
